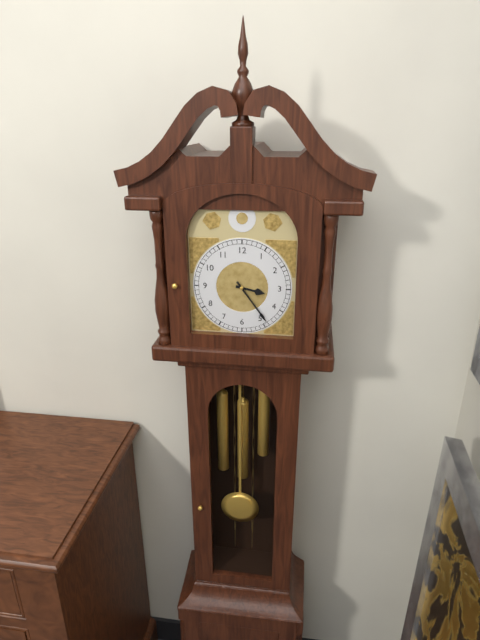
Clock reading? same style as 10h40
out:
3h24
